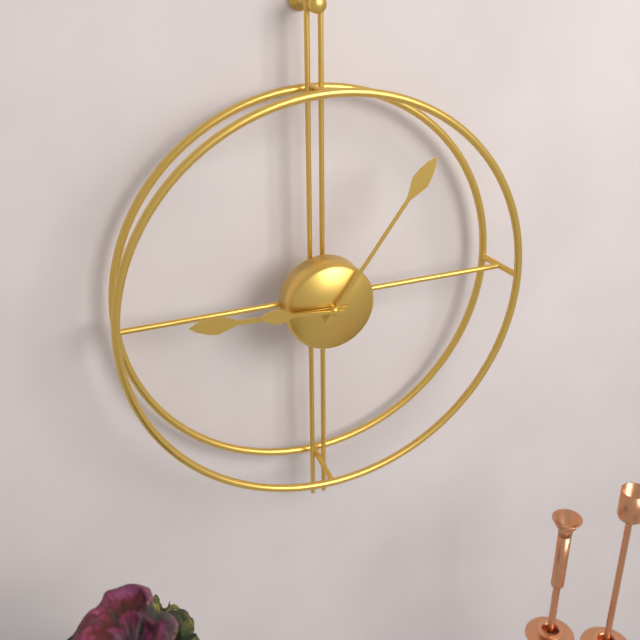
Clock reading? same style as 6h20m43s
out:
9h06m46s
